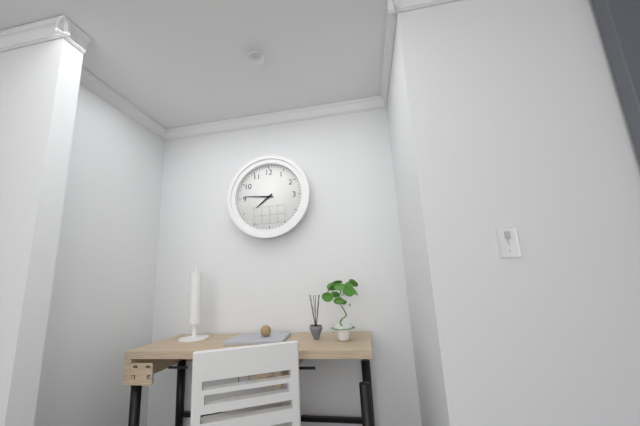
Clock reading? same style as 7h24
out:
7h46
